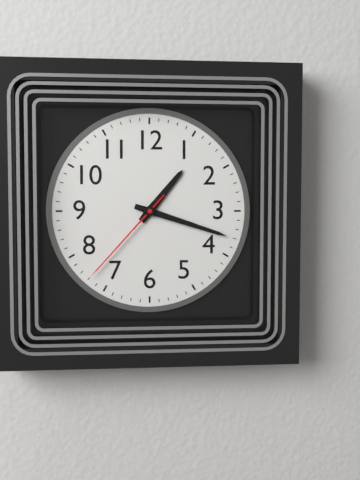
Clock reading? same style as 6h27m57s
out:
1h18m37s
